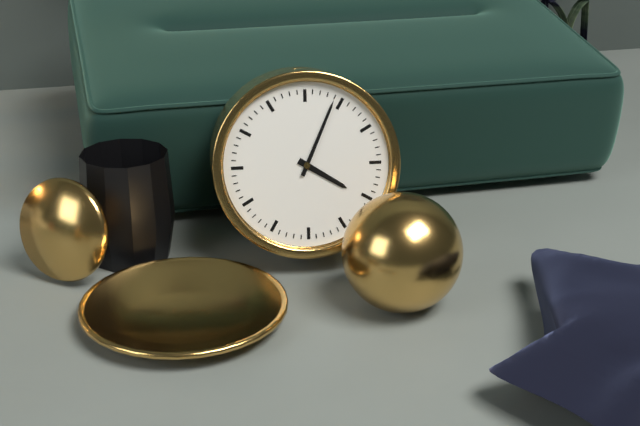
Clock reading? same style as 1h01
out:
4h04
